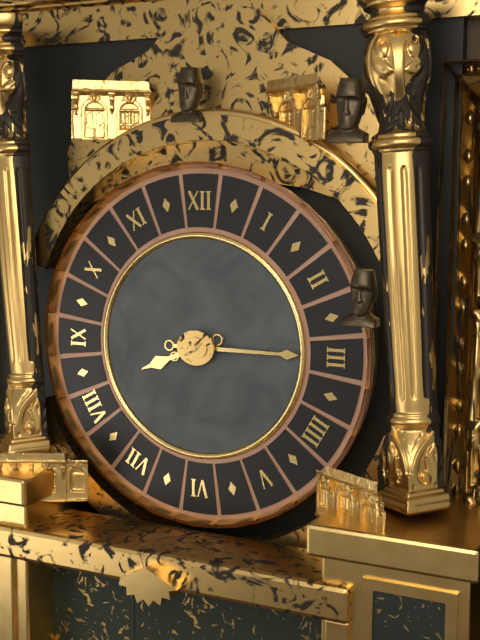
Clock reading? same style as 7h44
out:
8h15
